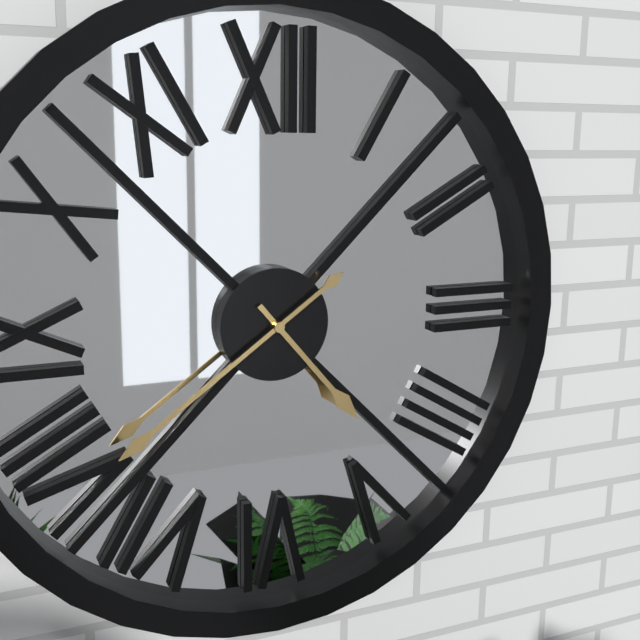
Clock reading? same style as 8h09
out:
4h39
